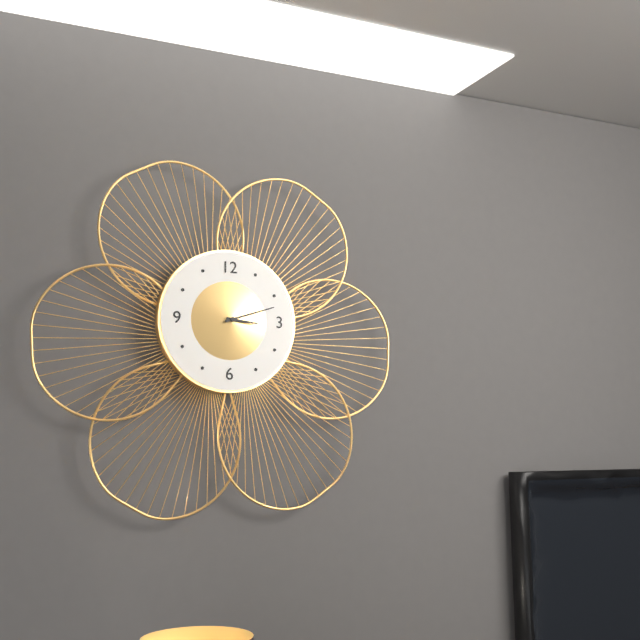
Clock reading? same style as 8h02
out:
3h12
